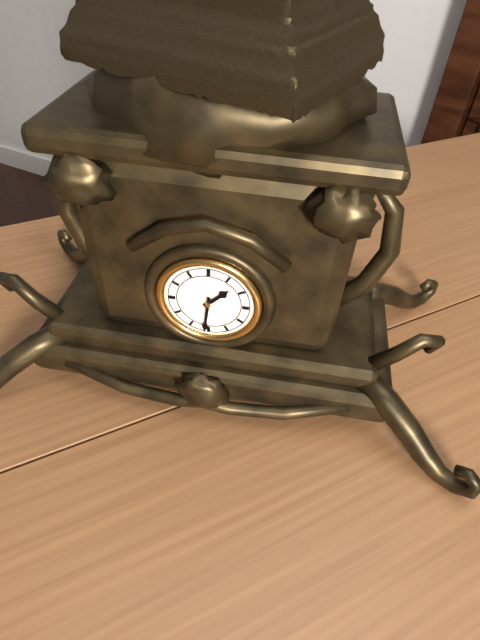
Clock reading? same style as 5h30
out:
1h31
